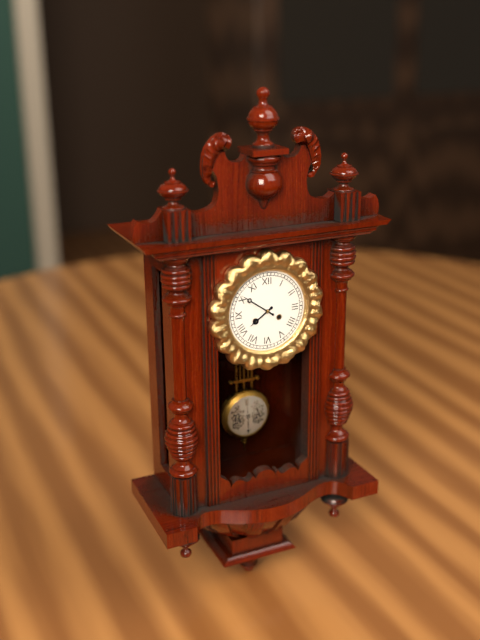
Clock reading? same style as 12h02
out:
7h51
